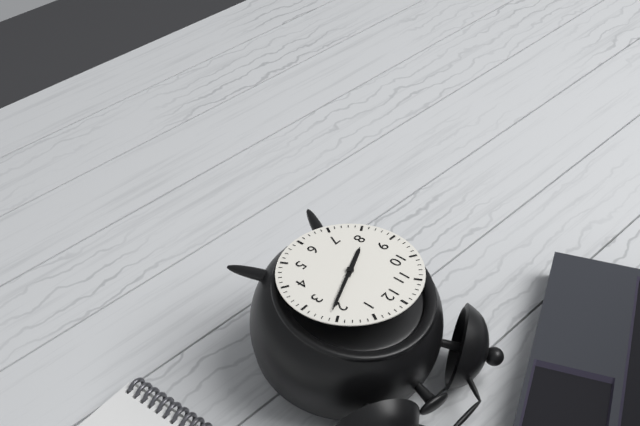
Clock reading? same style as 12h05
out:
8h11
